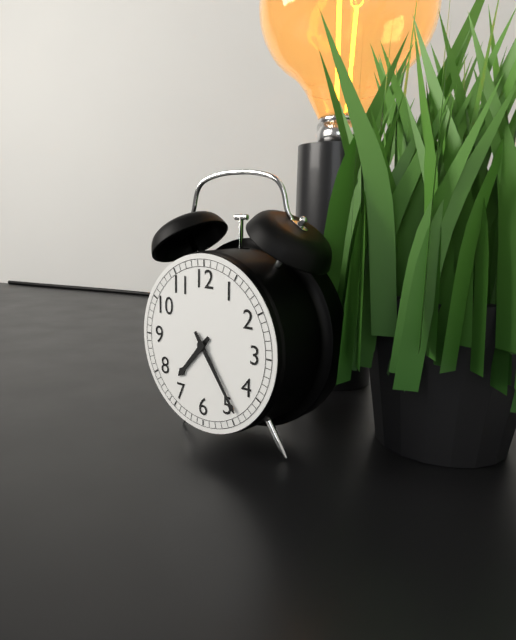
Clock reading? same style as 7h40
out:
7h24
